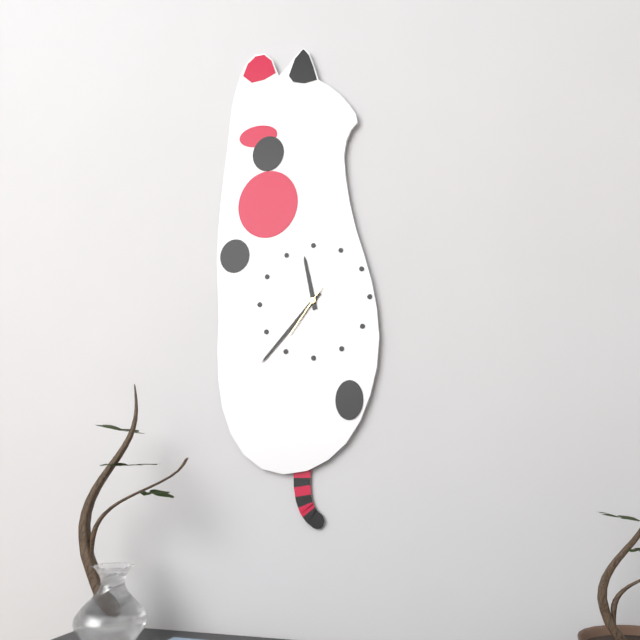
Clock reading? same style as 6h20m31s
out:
11h37m36s
